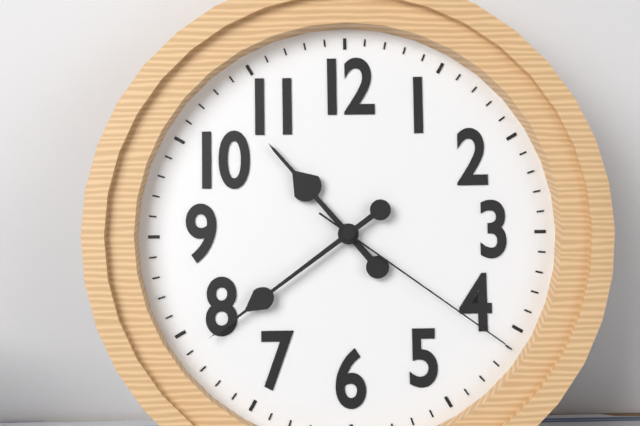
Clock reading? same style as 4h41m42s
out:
10h39m21s
